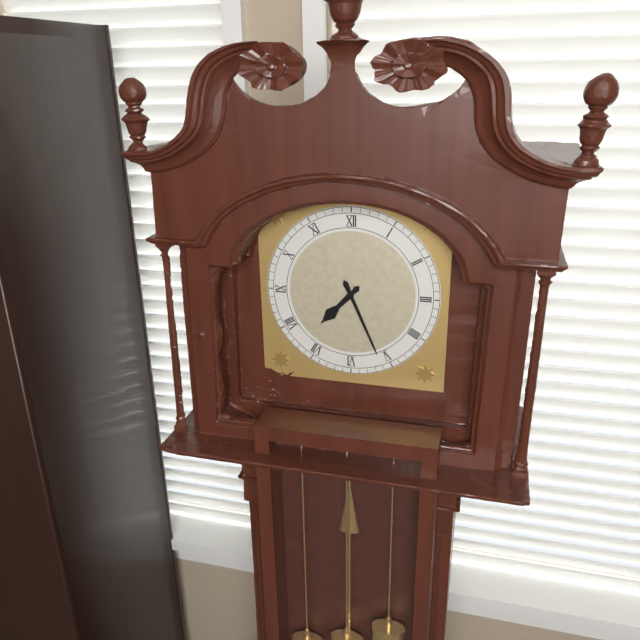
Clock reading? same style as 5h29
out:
7h26
